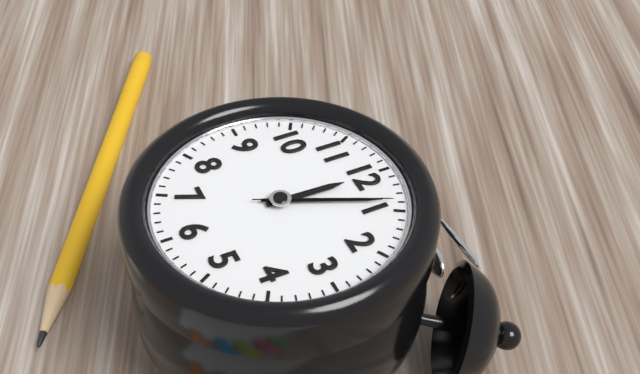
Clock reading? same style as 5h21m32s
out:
12h04m04s
